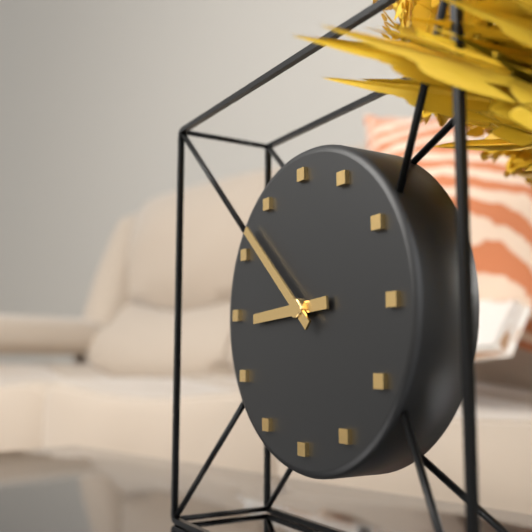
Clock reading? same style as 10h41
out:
8h52
